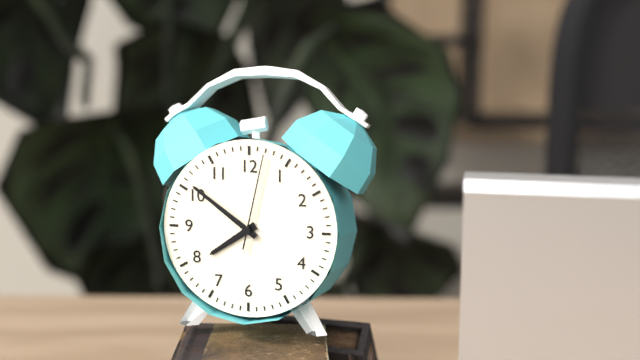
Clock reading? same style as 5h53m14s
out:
7h51m02s
